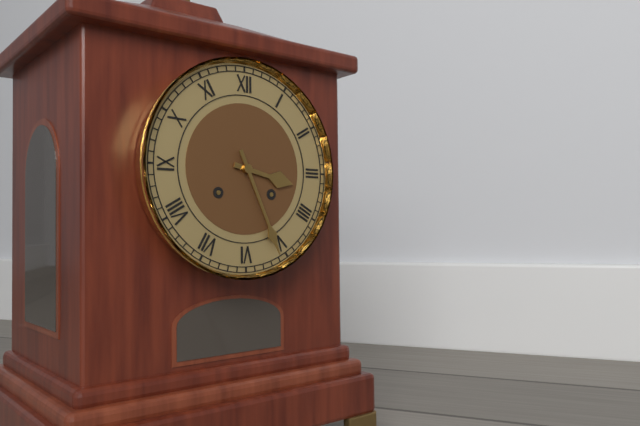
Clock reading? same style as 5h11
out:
3h26
